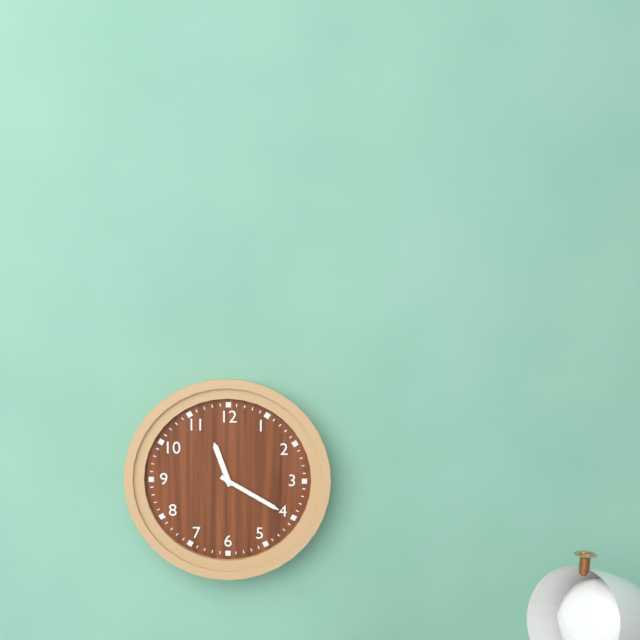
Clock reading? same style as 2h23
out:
11h20
